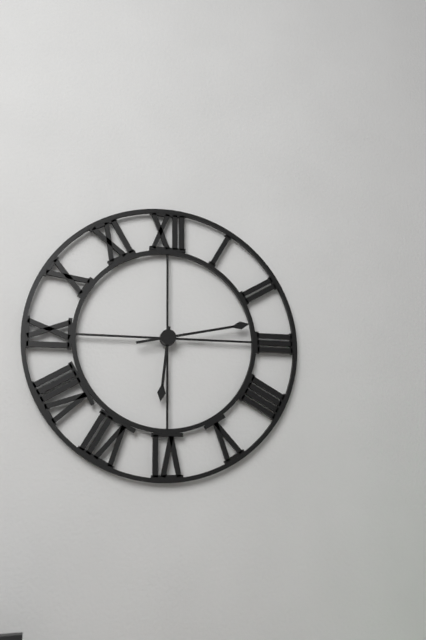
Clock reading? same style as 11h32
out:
6h13
